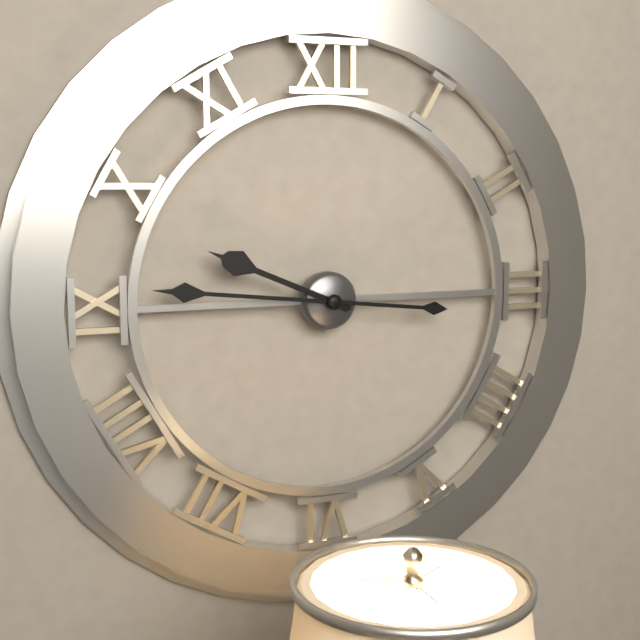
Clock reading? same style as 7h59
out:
9h46
